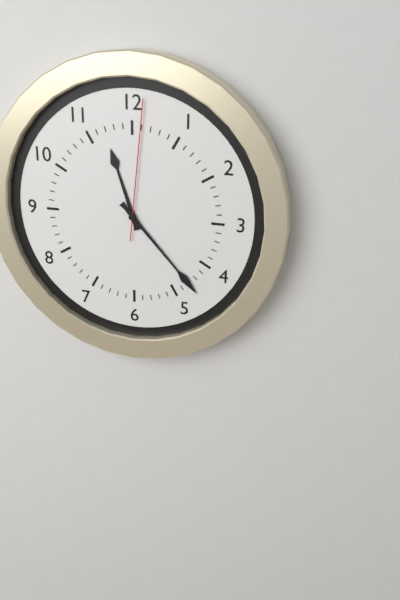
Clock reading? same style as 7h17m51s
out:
11h23m01s
